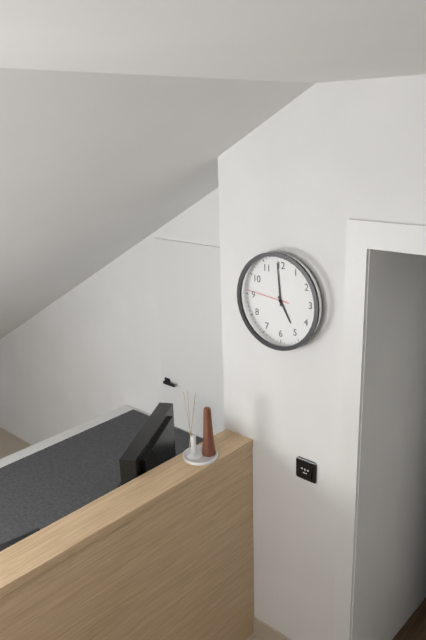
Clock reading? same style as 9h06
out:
4h59
